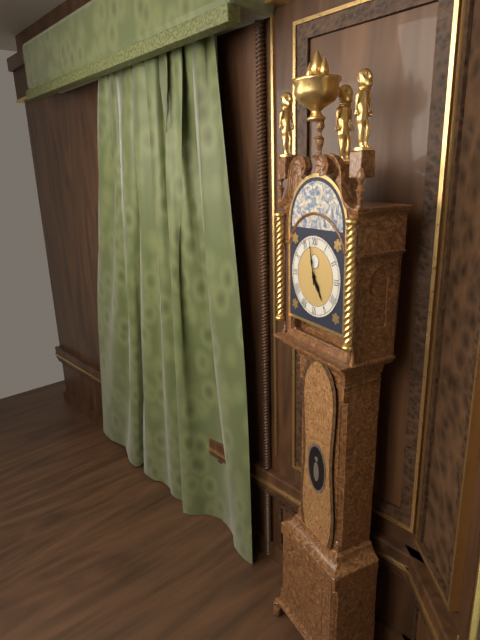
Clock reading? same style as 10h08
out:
4h58
